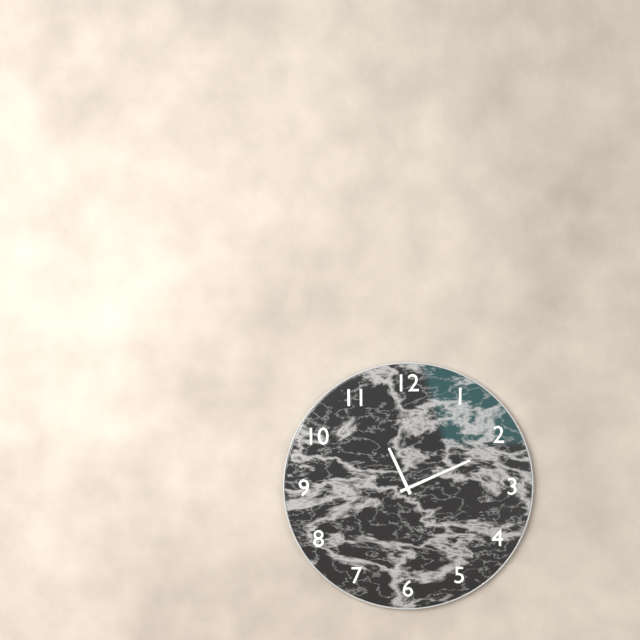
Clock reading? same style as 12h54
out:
11h11
